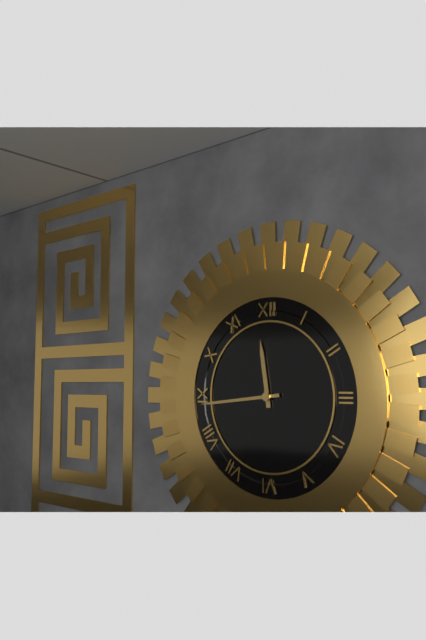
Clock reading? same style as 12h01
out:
11h44
